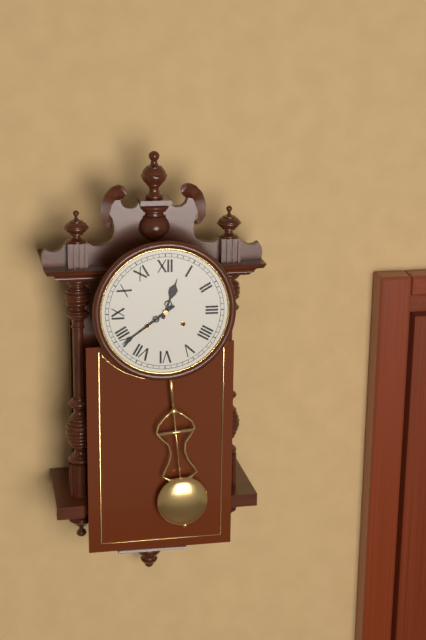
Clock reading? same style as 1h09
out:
12h39
